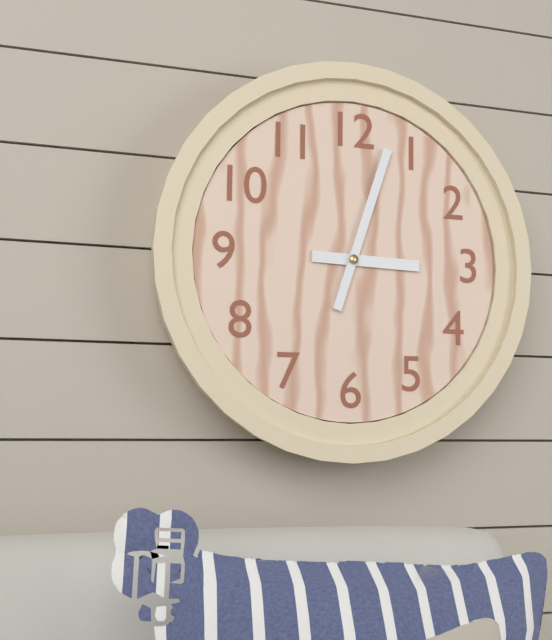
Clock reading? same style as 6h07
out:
3h03
